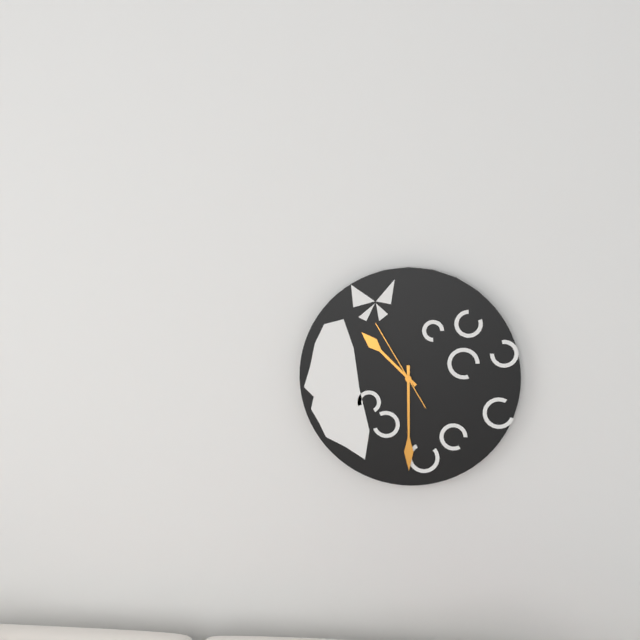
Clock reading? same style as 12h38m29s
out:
10h30m55s
